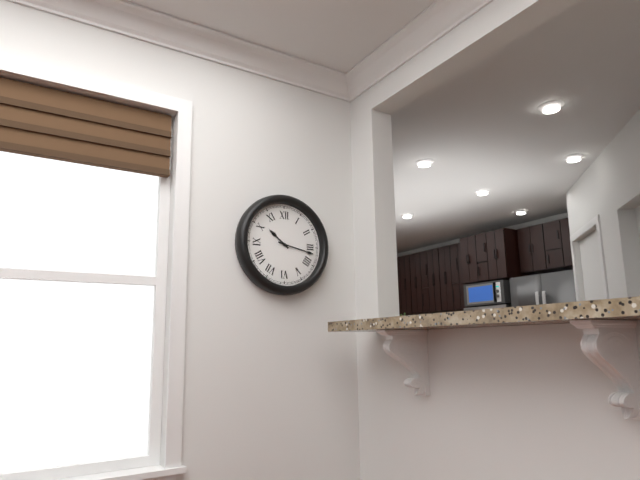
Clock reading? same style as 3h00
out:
10h17
